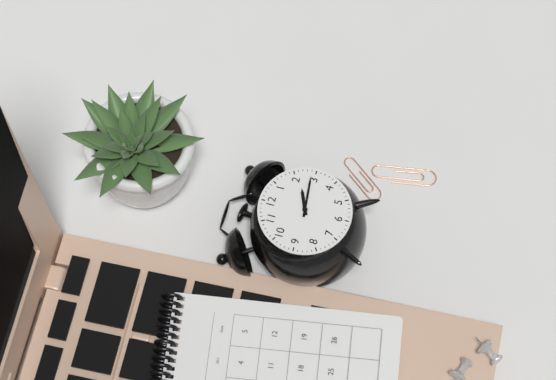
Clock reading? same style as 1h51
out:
2h14
